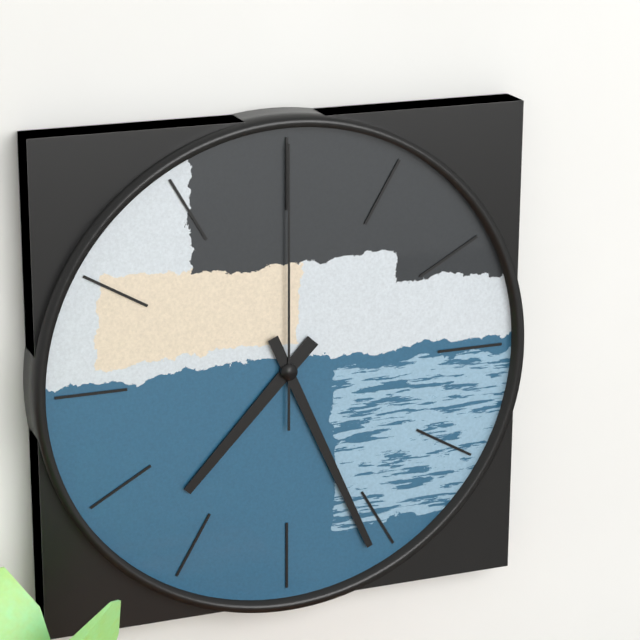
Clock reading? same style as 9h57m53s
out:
7h26m00s
